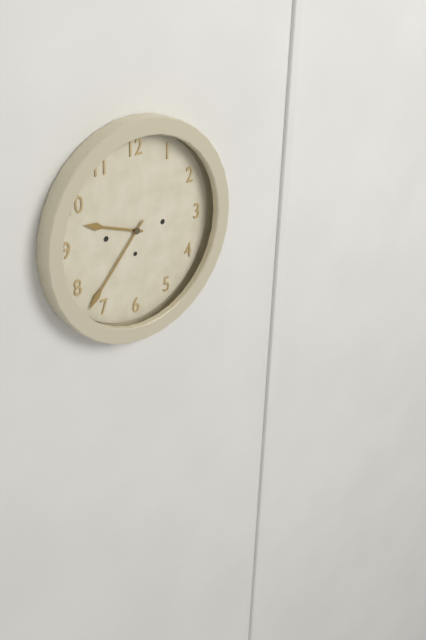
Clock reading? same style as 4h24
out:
9h37
